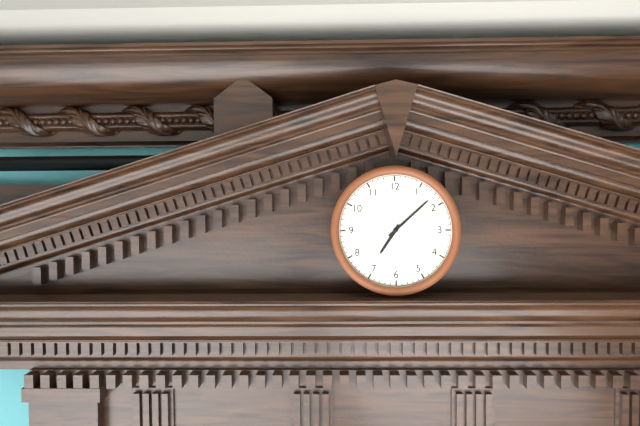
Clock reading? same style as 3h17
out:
7h08
